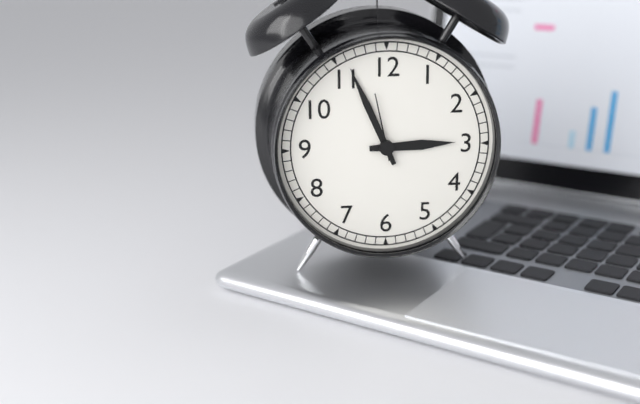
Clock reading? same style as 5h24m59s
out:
2h56m58s
